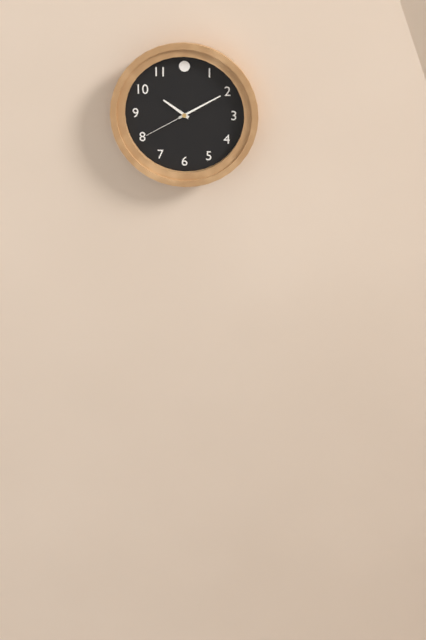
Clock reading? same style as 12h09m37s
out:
10h10m40s
